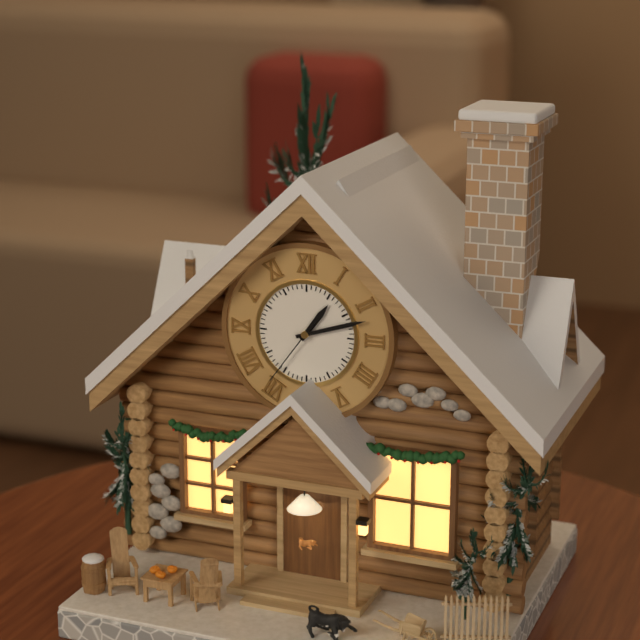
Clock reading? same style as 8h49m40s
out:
1h12m36s
